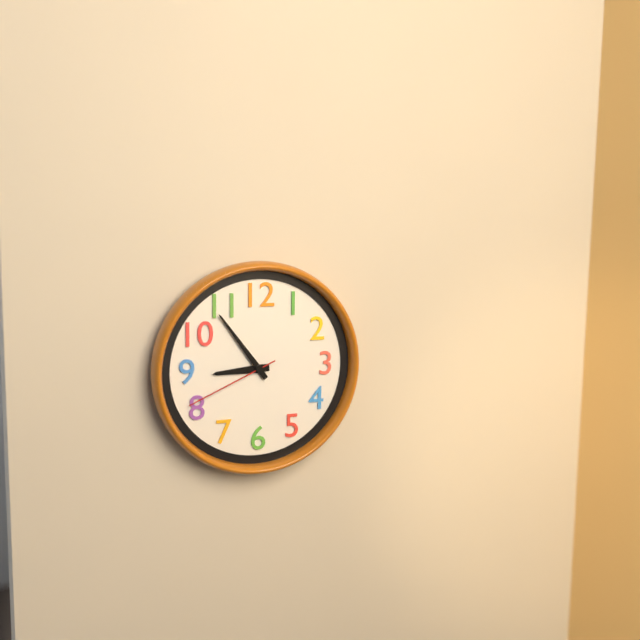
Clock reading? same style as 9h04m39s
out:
8h54m41s
